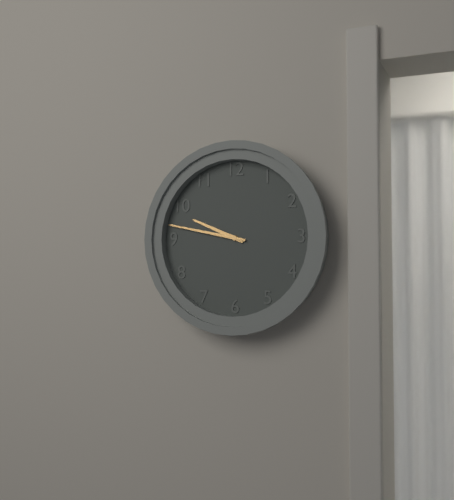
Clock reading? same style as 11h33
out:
9h47
